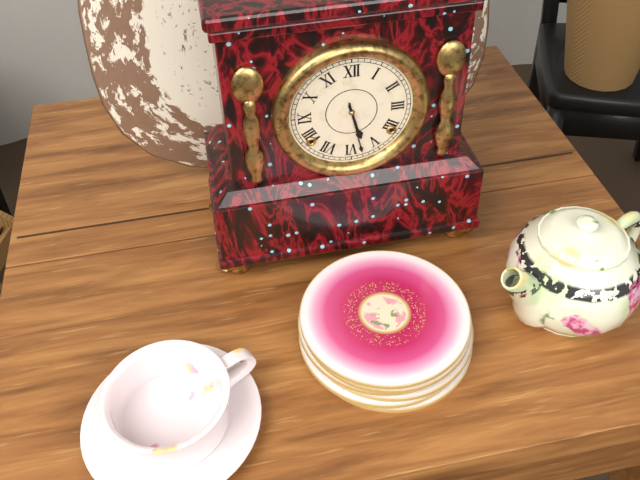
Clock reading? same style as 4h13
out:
5h28
